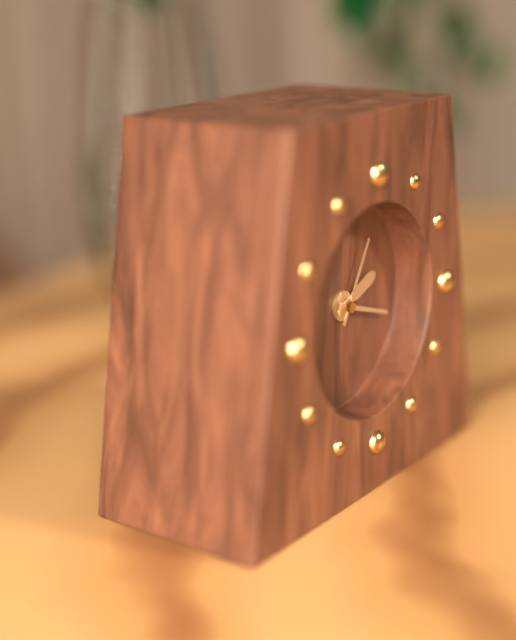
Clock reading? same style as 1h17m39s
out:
2h18m05s
